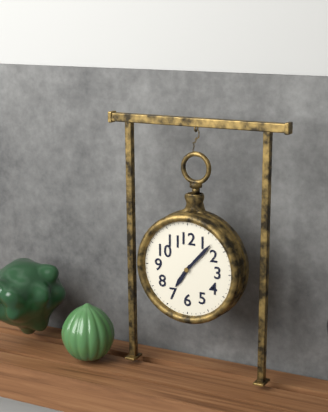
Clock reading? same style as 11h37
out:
7h07
